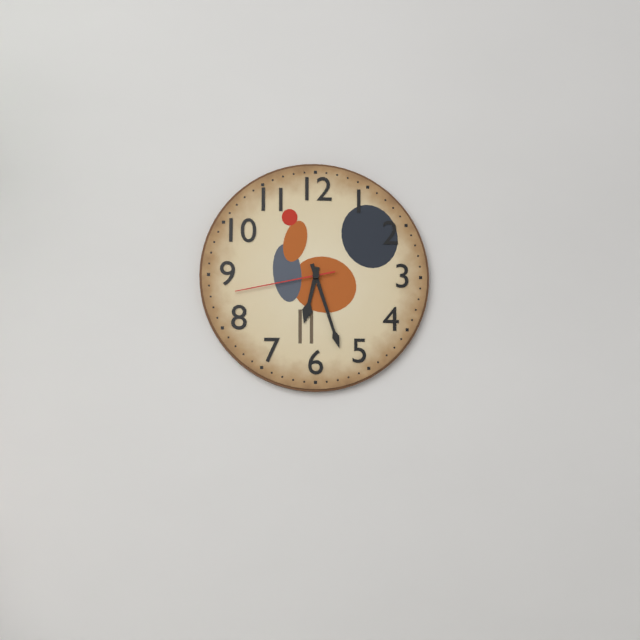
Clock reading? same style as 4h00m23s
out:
6h27m43s
